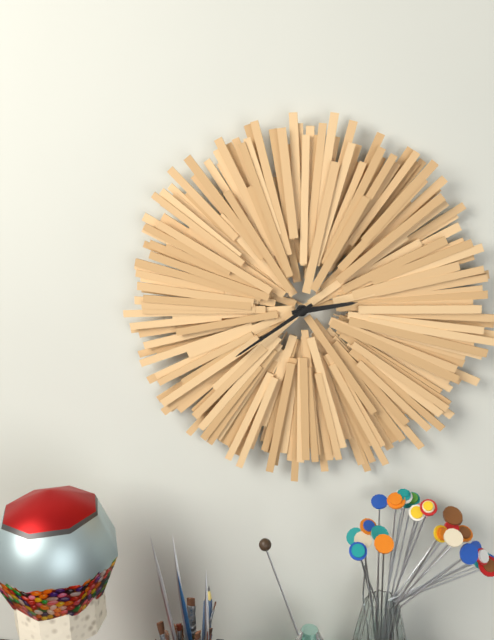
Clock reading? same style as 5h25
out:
2h39
